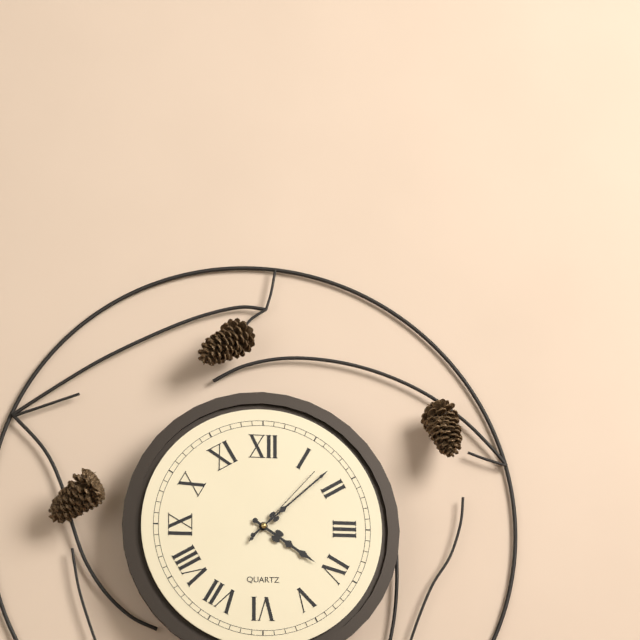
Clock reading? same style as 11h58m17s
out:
4h08m07s
